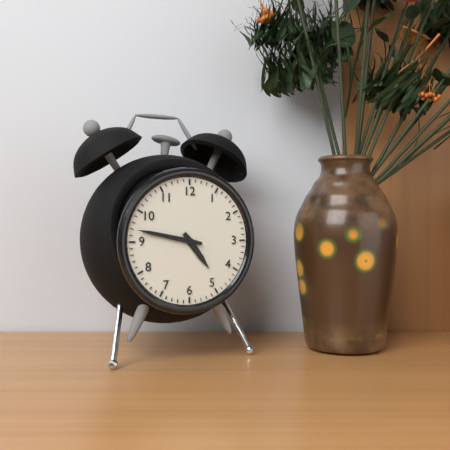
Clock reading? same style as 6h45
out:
4h47
